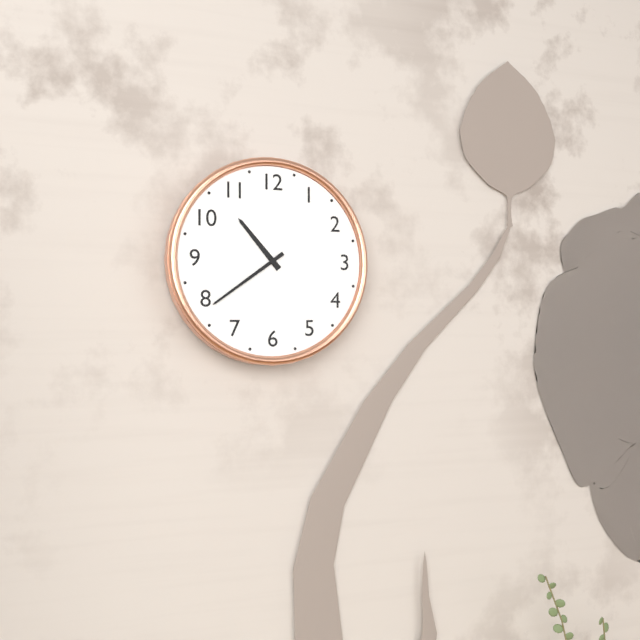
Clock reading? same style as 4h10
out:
10h39
